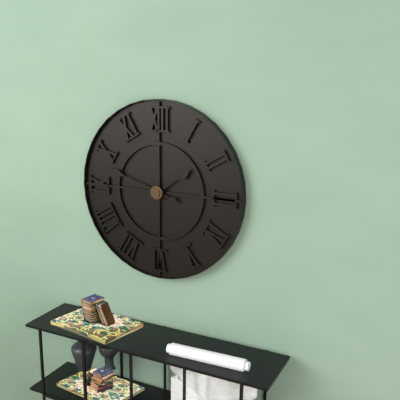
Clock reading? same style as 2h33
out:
1h48
